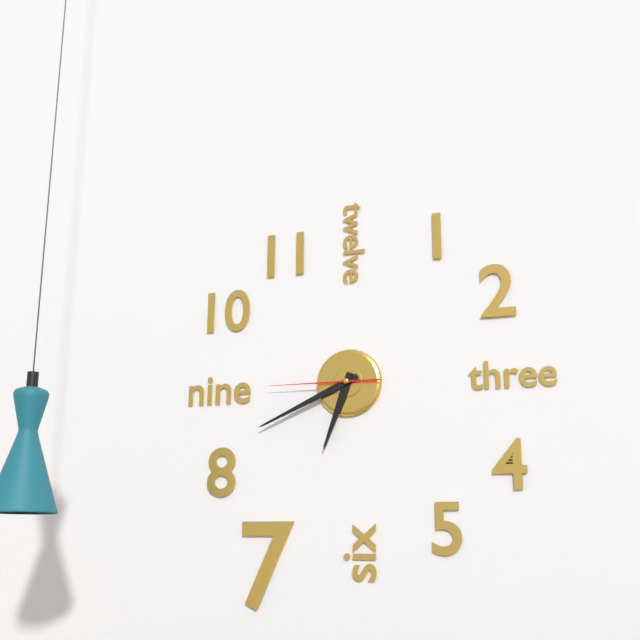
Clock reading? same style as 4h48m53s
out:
6h41m45s
